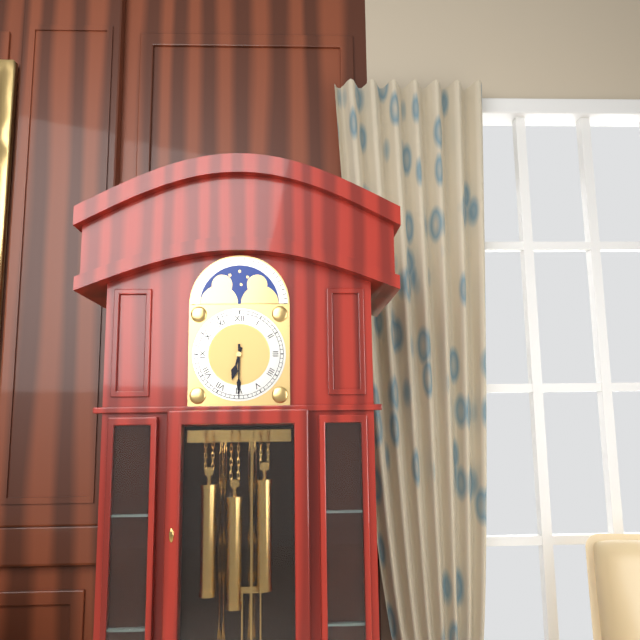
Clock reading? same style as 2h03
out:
6h30
